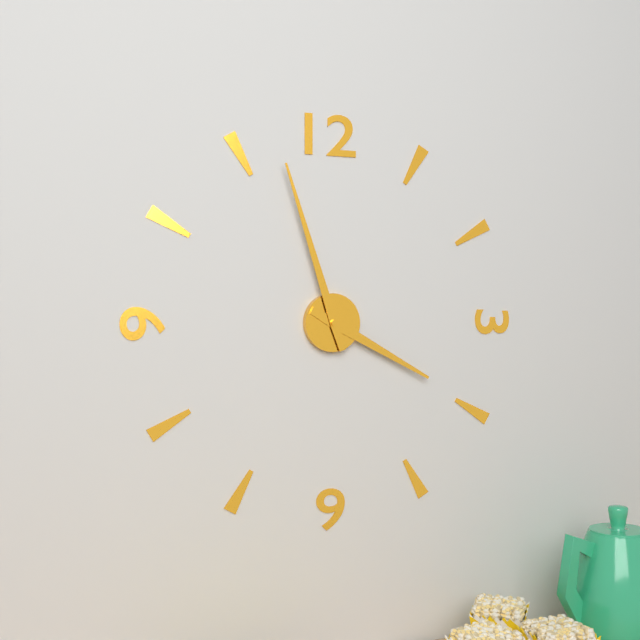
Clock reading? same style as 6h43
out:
3h57
